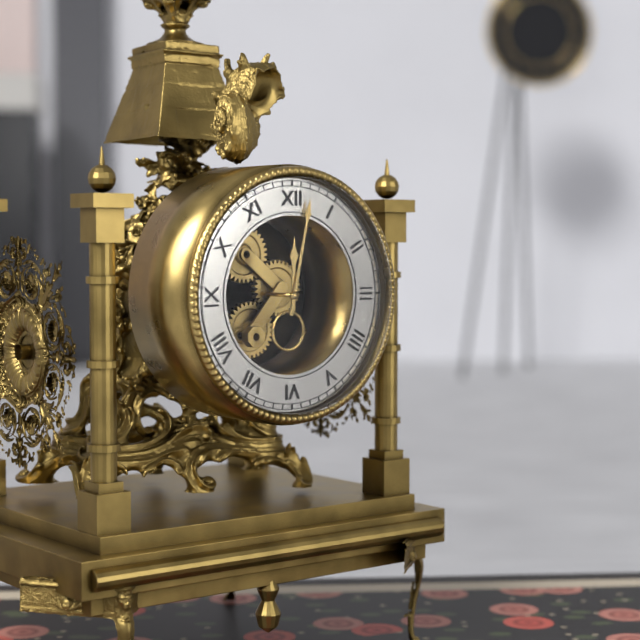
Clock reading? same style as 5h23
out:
12h02
